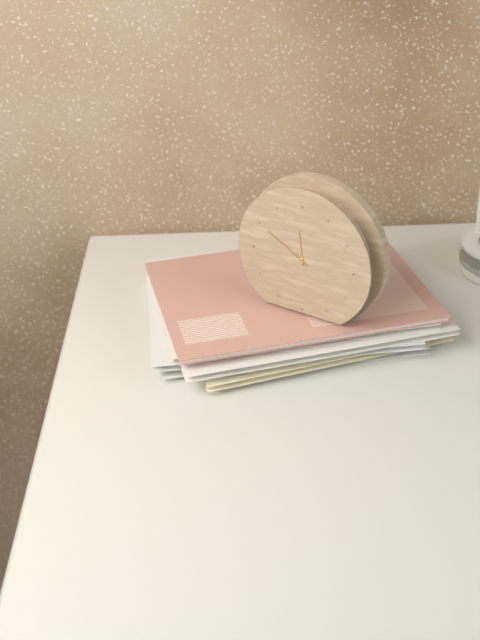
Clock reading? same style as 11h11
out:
11h50
